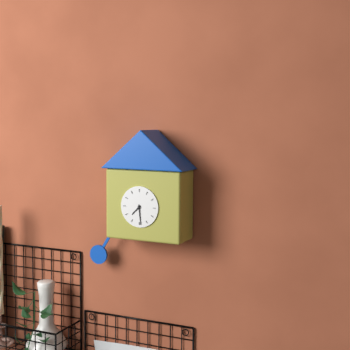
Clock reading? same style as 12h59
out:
7h29
